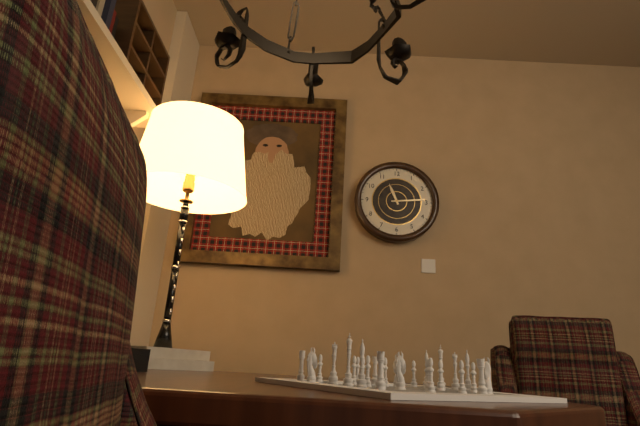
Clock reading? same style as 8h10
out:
11h14
